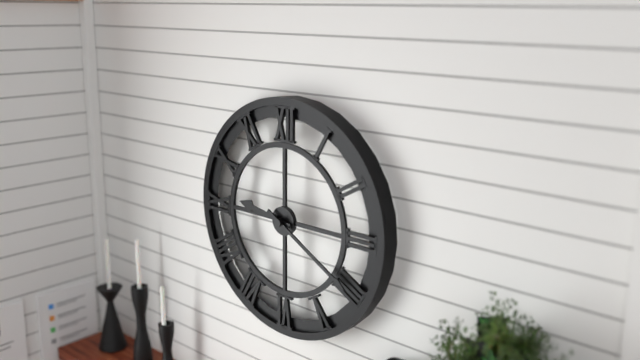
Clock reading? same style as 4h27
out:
9h20
